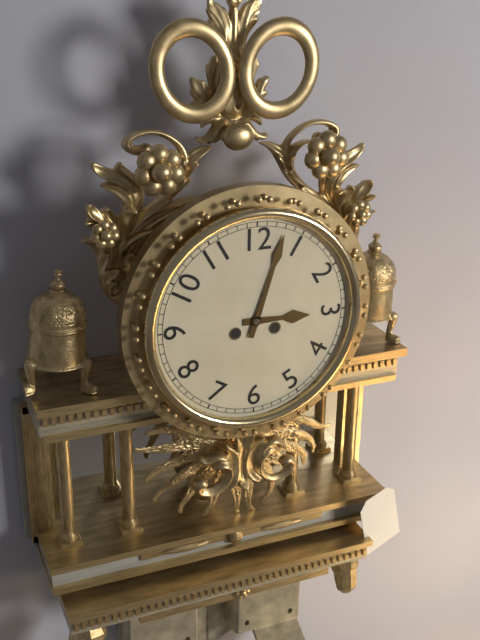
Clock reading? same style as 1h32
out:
3h03
